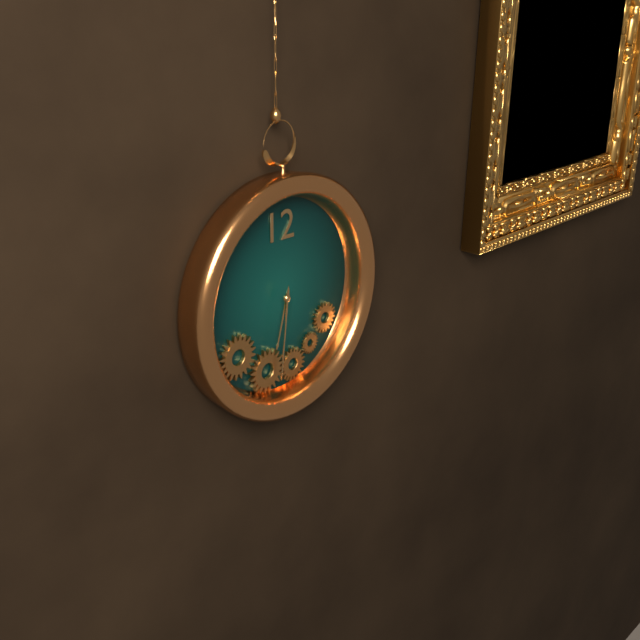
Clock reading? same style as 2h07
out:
6h31
